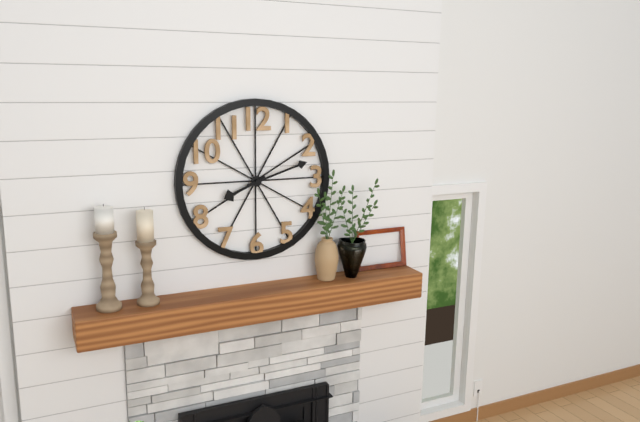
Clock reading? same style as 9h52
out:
8h12
